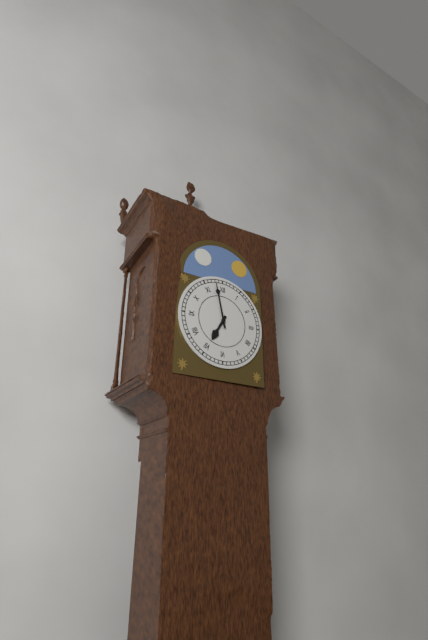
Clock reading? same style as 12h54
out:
6h58
